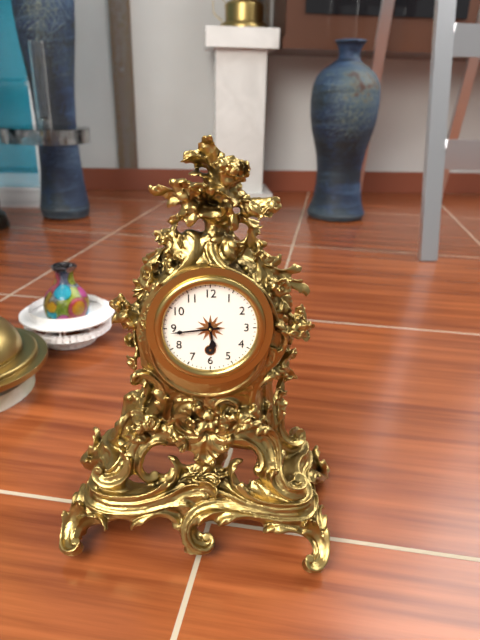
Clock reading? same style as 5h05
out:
5h44
